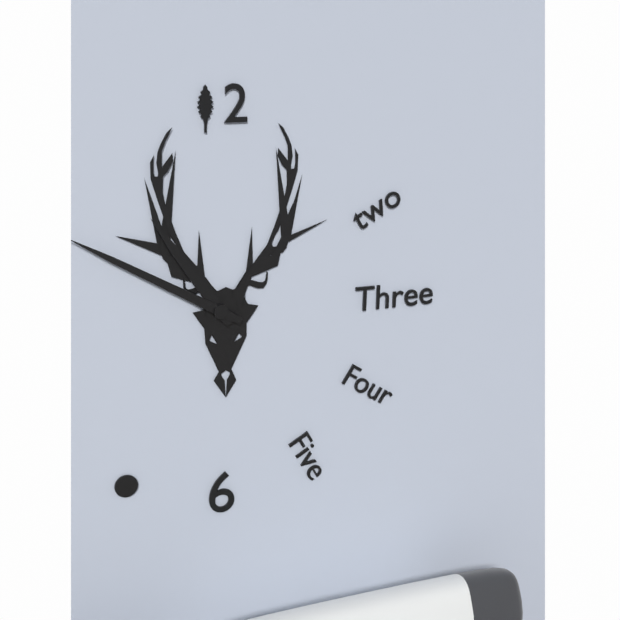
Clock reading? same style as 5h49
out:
10h50
